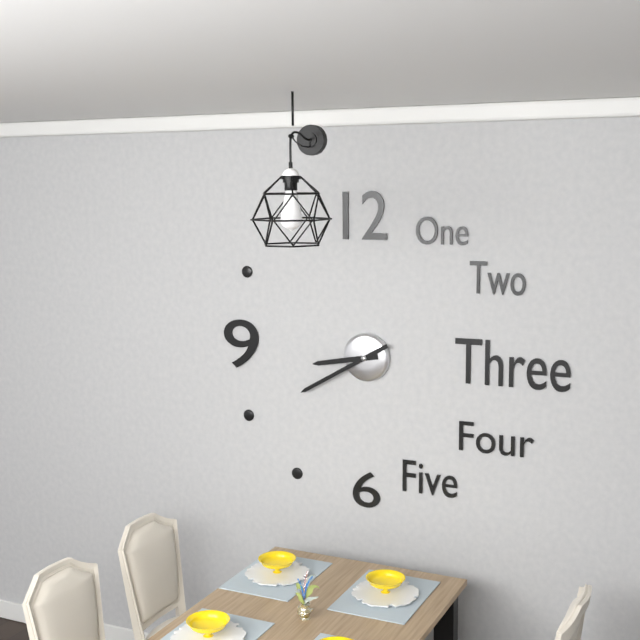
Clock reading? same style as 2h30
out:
8h40
